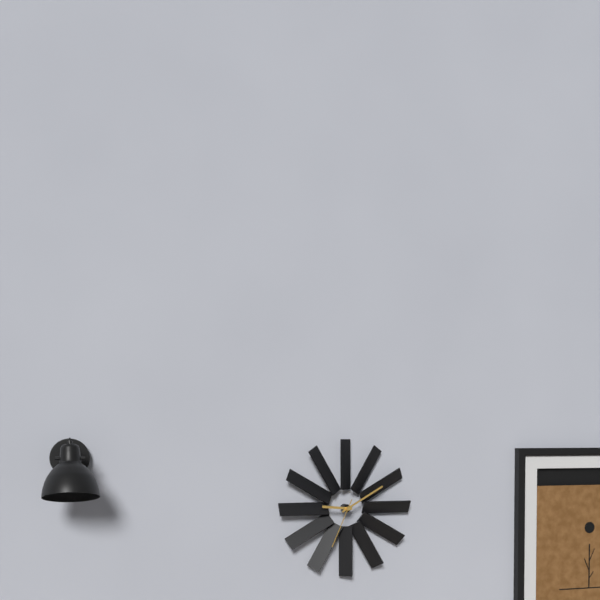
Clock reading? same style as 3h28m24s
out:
9h10m34s
